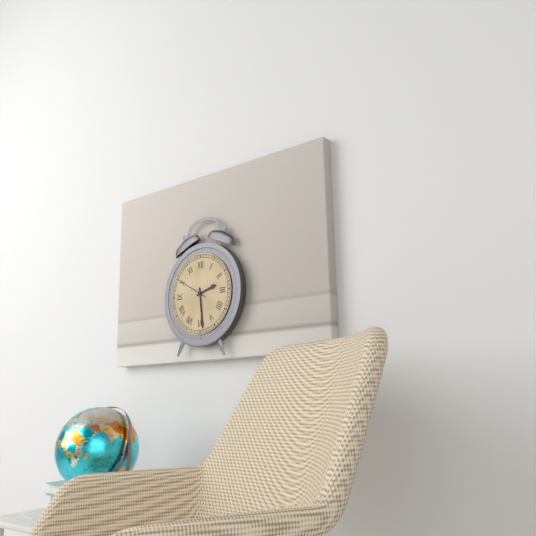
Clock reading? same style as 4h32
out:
2h29
